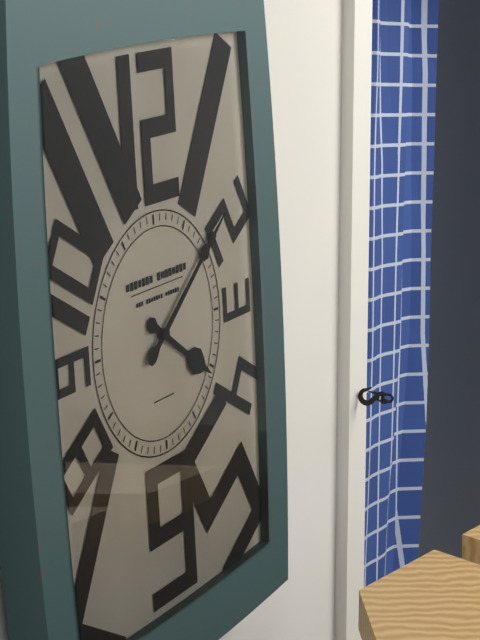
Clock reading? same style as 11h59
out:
4h09
